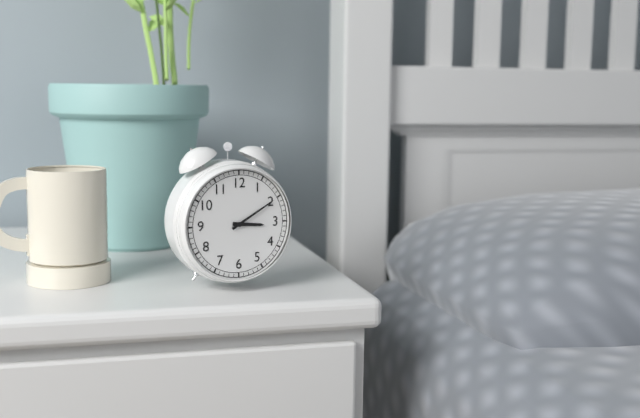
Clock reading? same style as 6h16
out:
3h10
